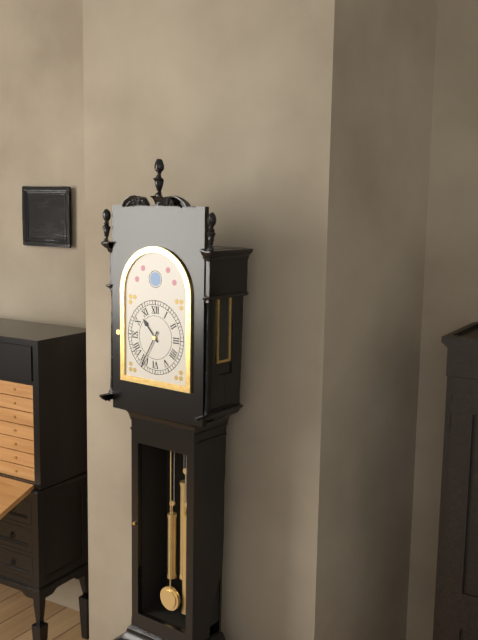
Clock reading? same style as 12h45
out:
10h35
